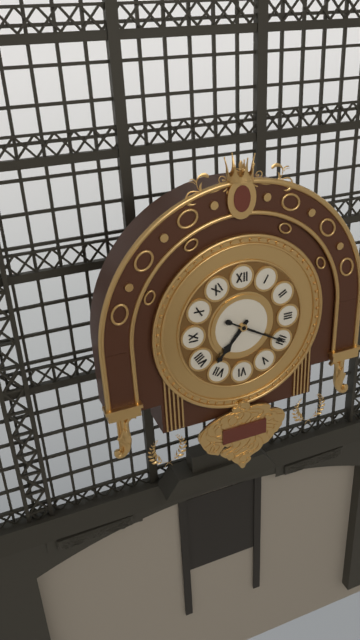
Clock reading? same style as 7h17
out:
7h20
